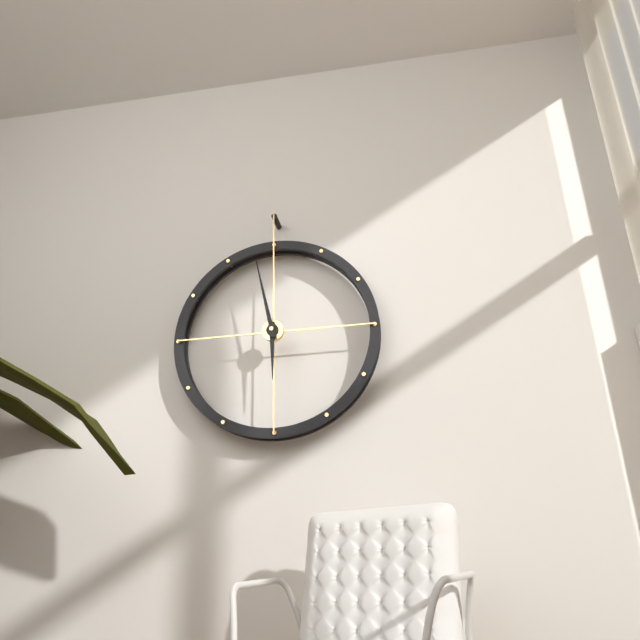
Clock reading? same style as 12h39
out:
5h58
